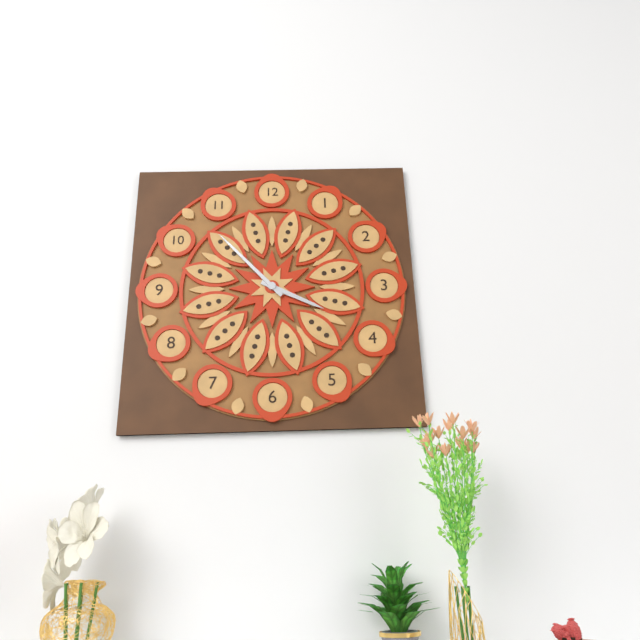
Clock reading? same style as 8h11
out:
3h53
